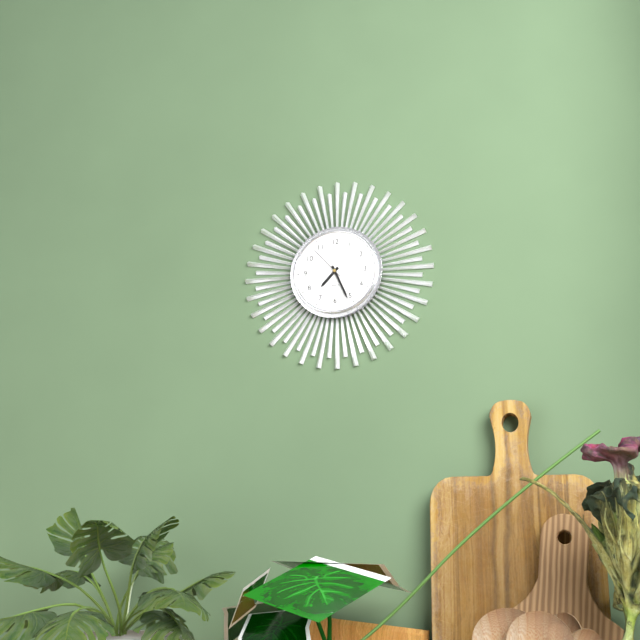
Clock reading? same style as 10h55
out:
7h26
